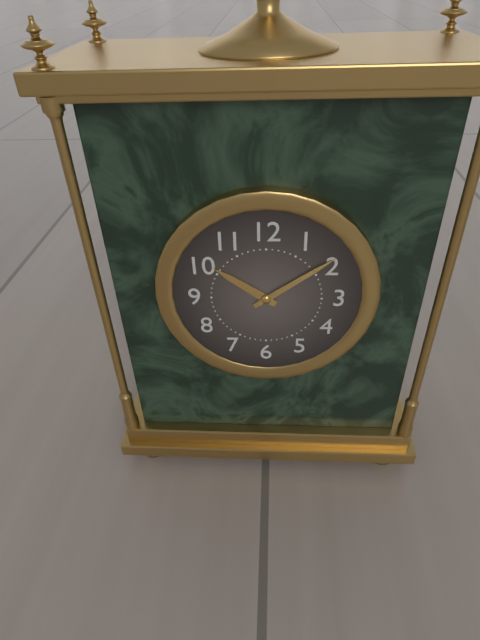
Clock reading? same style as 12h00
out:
10h09
